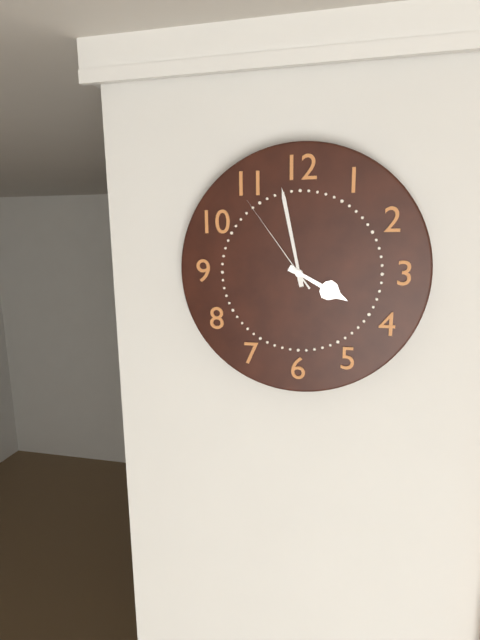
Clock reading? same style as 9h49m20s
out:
3h58m54s
